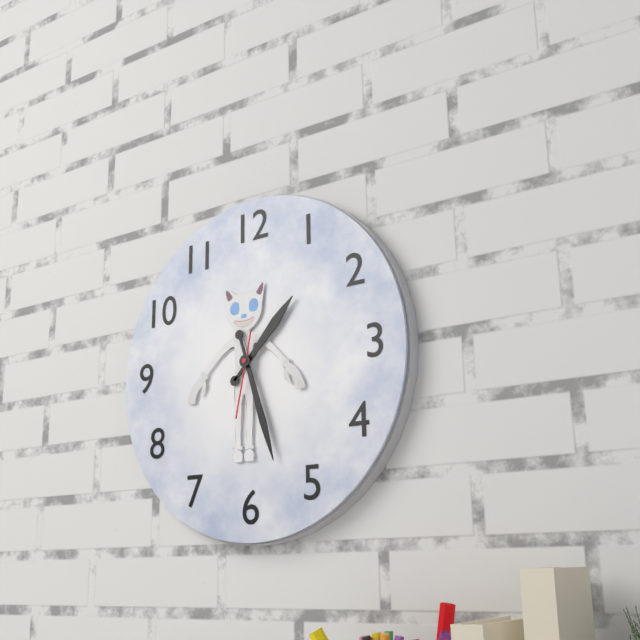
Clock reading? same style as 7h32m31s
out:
1h27m32s
